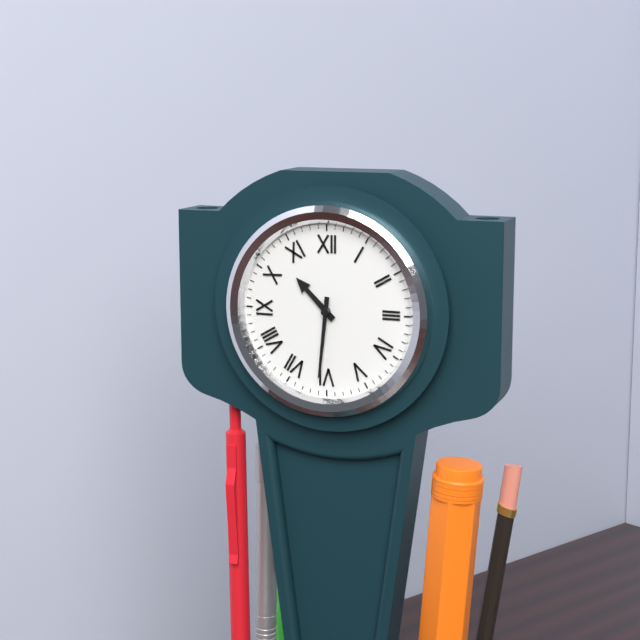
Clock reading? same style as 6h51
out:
10h31
